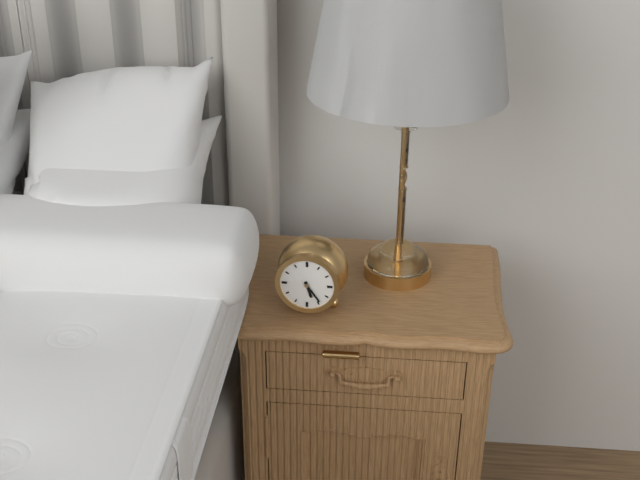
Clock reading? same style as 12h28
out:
5h24
